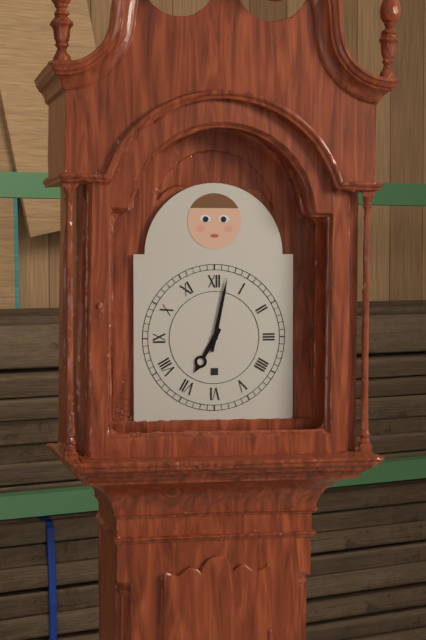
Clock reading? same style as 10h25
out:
7h02
